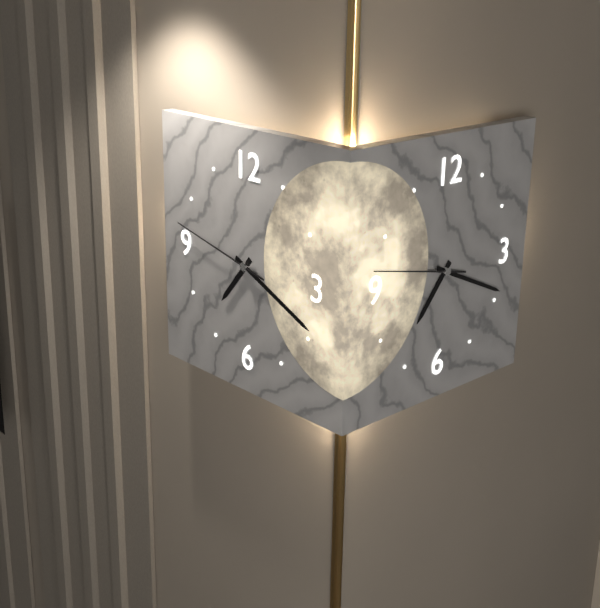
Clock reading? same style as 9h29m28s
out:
7h19m47s
